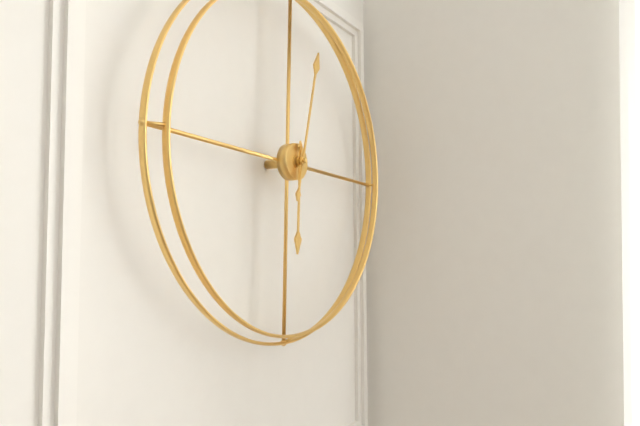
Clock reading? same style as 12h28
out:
6h02
